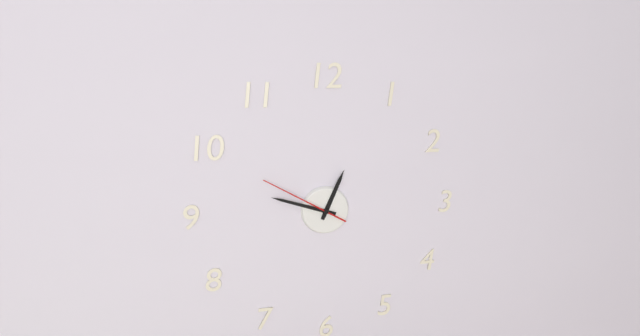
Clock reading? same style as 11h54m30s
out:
12h48m50s
